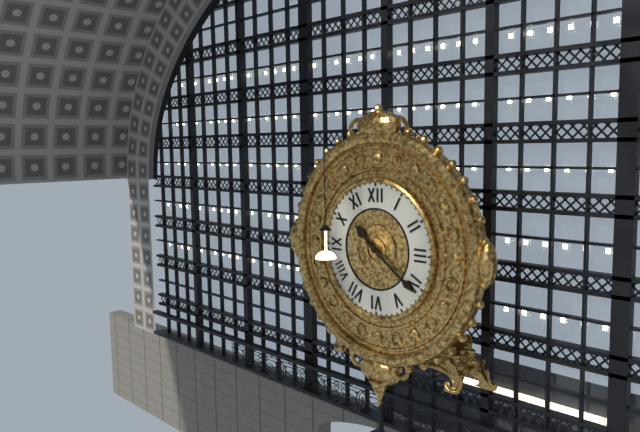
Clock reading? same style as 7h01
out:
10h21
